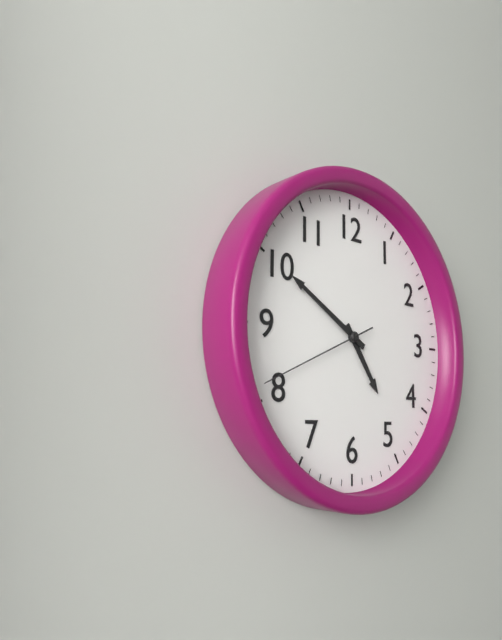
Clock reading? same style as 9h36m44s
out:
4h50m41s
